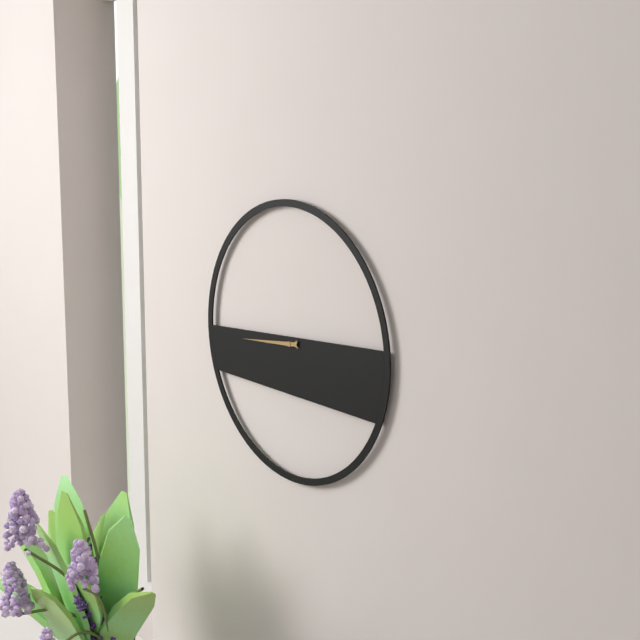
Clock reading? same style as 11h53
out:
8h44
